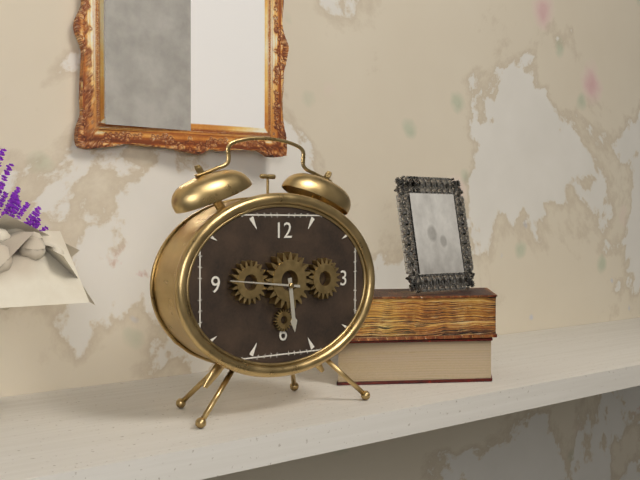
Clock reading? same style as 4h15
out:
5h46
